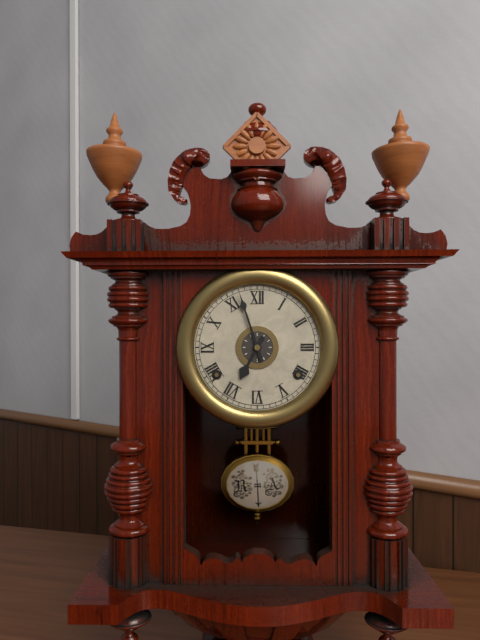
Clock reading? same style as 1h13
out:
6h57
